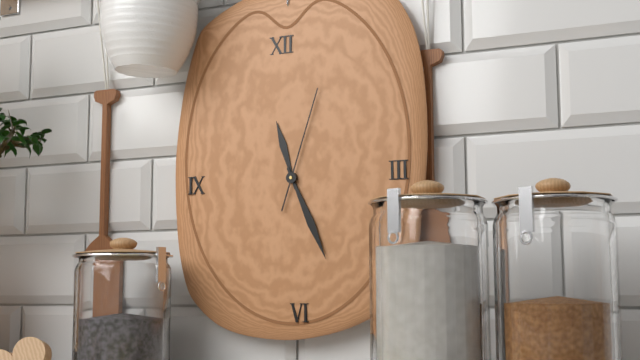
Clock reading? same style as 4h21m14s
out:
11h26m03s
